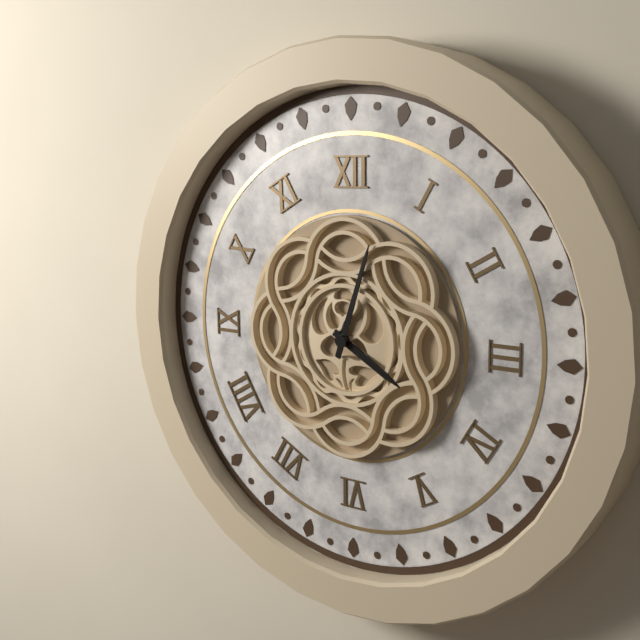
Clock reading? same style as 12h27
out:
4h03
